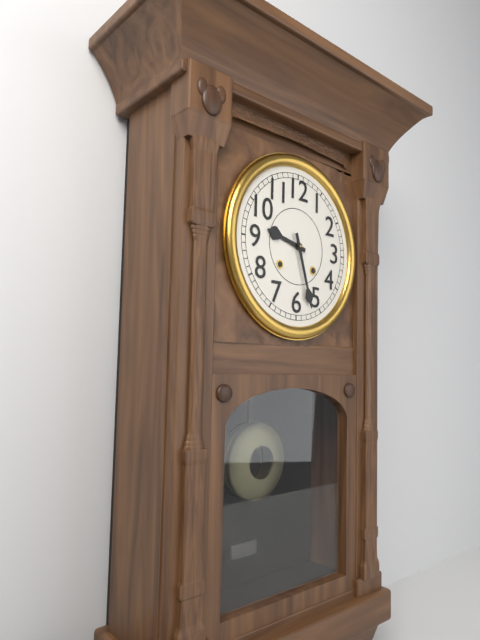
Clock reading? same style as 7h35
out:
9h27
